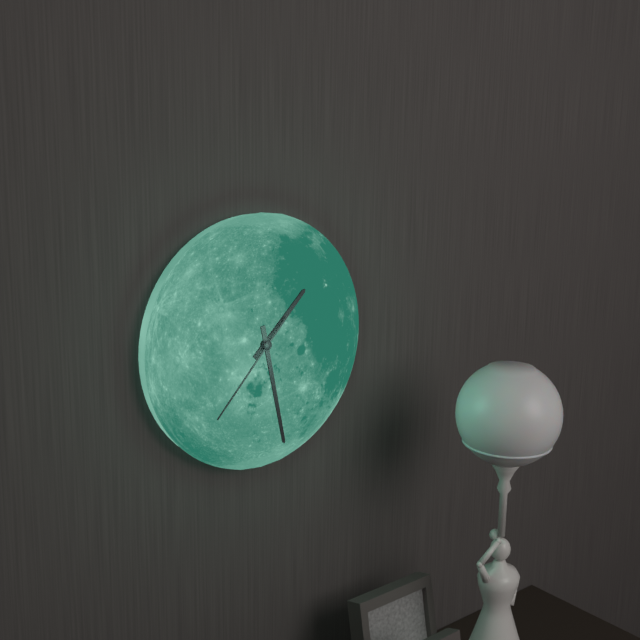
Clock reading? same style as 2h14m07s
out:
1h28m37s
